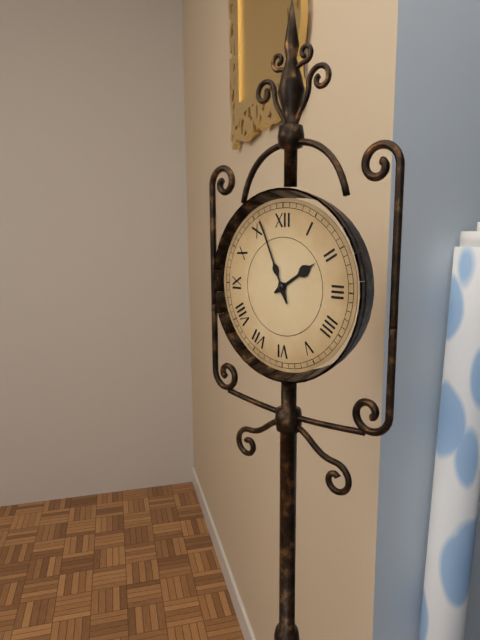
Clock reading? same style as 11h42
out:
1h56
